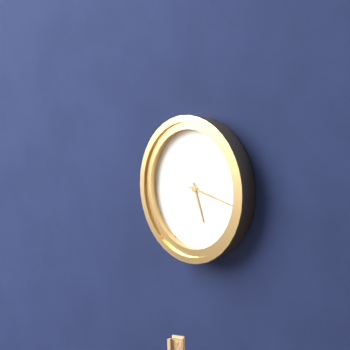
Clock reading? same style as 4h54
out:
5h17
